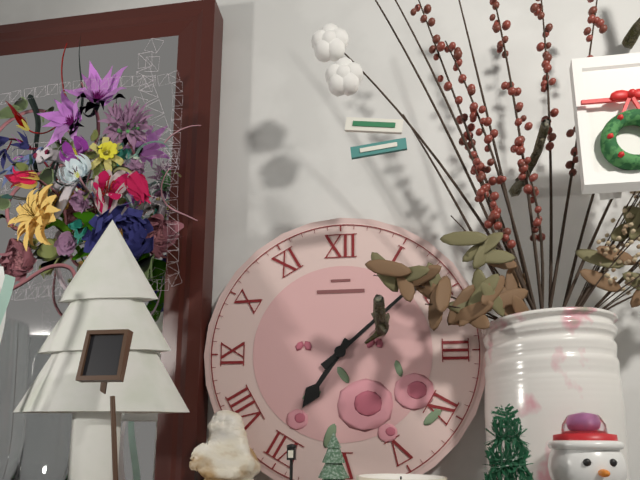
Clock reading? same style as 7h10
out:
7h08
